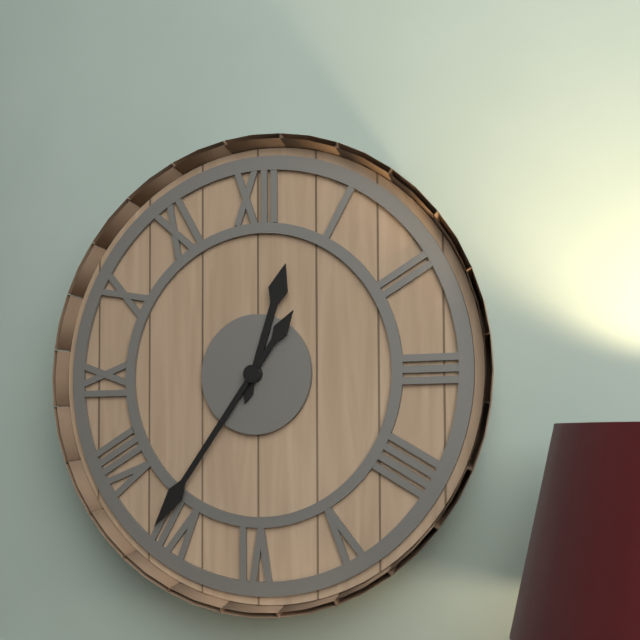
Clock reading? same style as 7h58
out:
12h36
